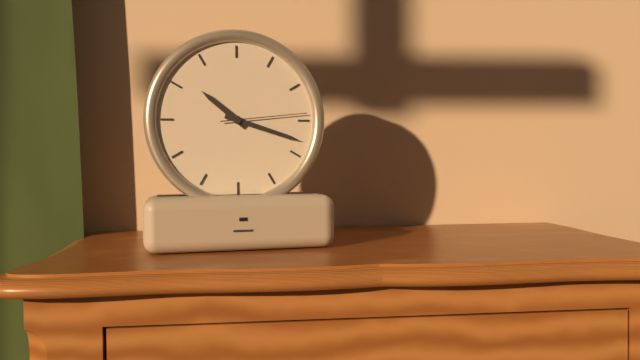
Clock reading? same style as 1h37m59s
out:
10h18m14s
